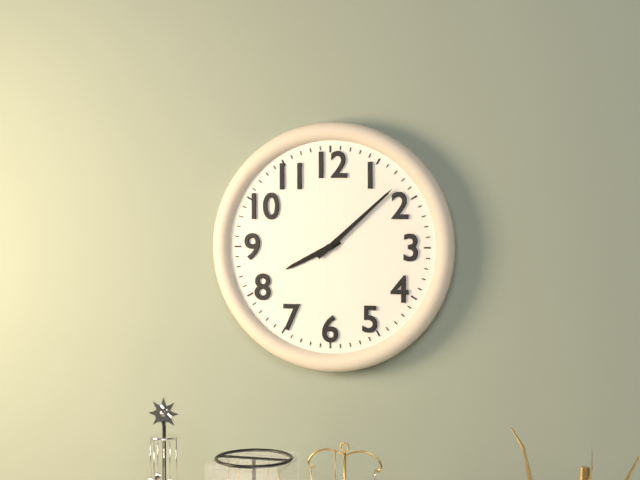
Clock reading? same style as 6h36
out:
8h08
